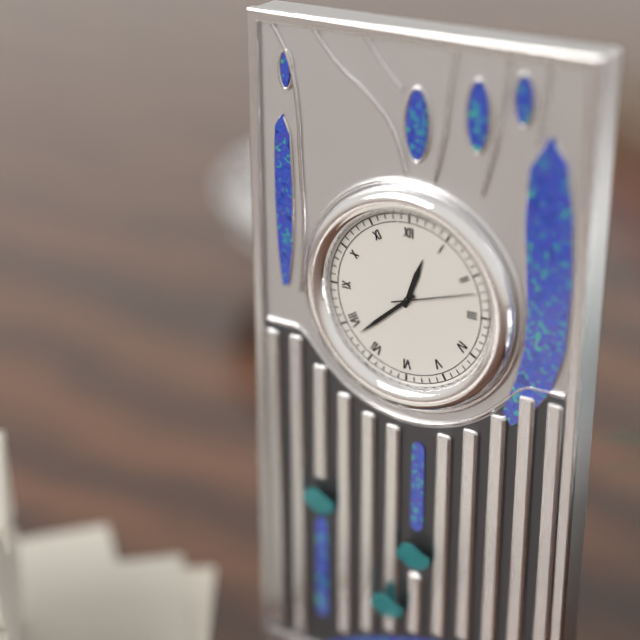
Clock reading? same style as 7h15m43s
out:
12h38m12s
